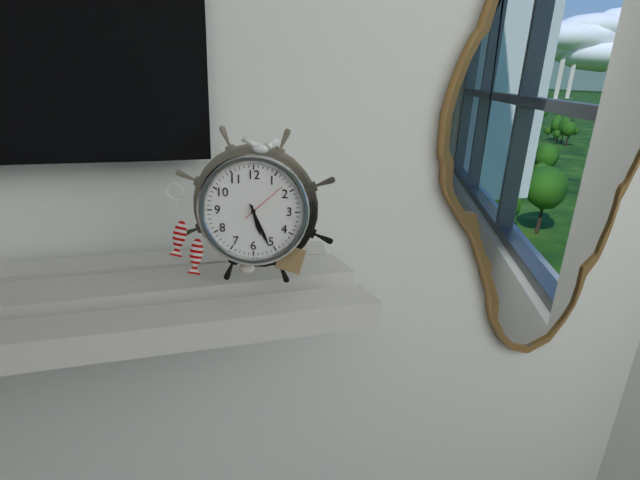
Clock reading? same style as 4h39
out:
5h26
